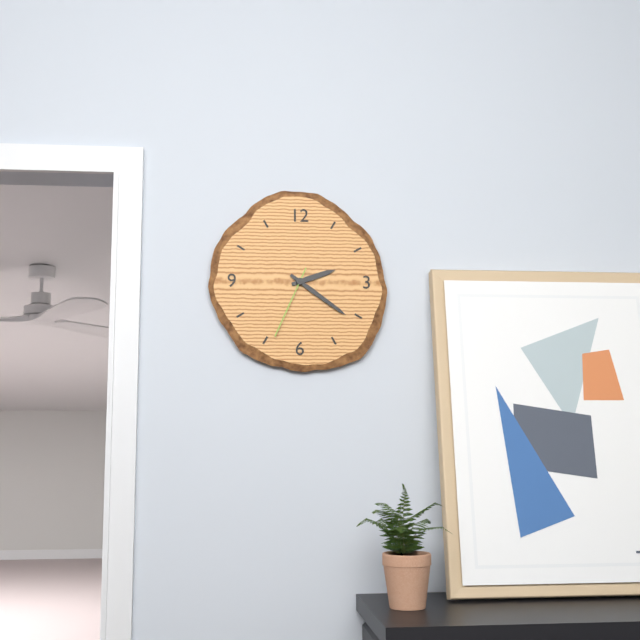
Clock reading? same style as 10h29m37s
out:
2h21m34s
